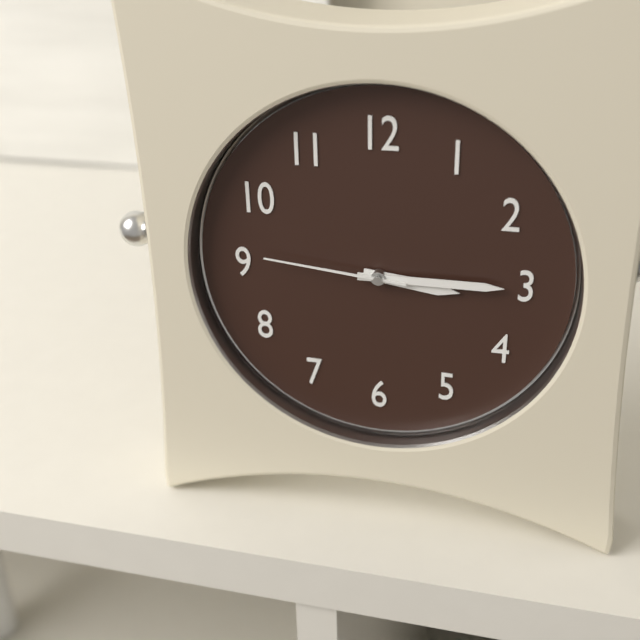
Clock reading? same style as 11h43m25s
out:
3h15m46s
